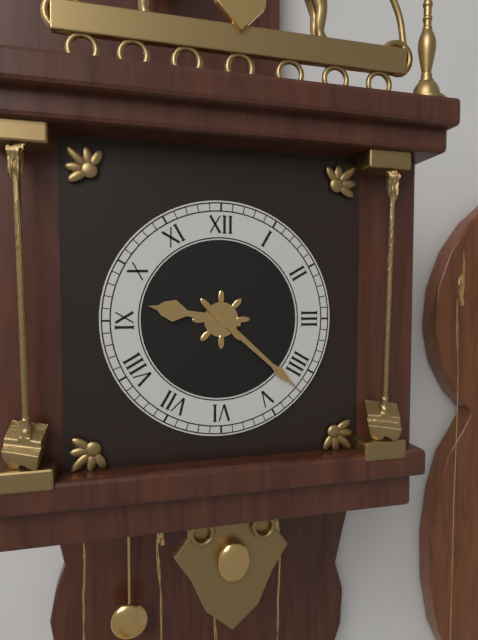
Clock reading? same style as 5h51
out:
9h22
